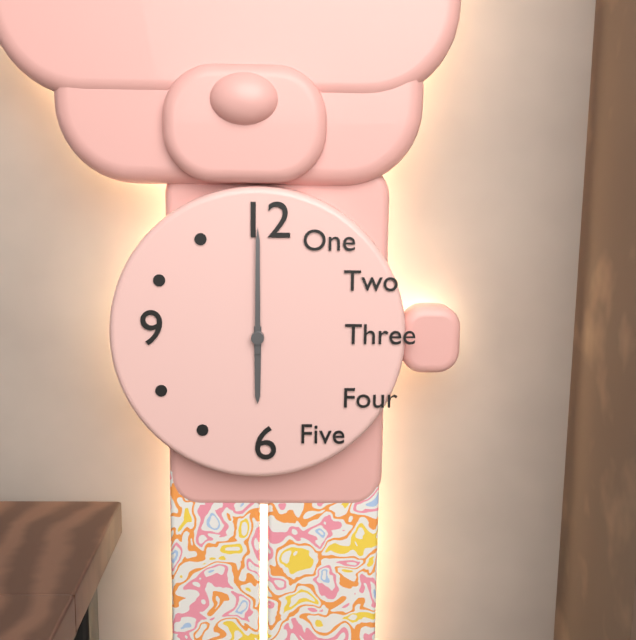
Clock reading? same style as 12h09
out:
6h00
